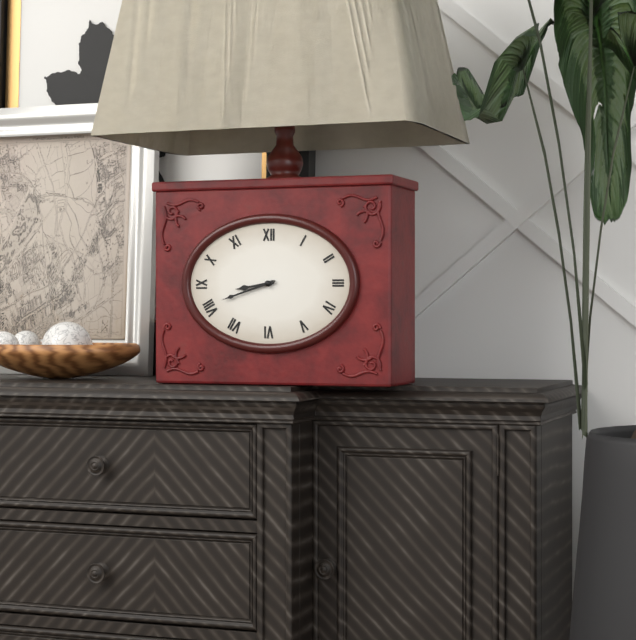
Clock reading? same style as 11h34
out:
8h42
